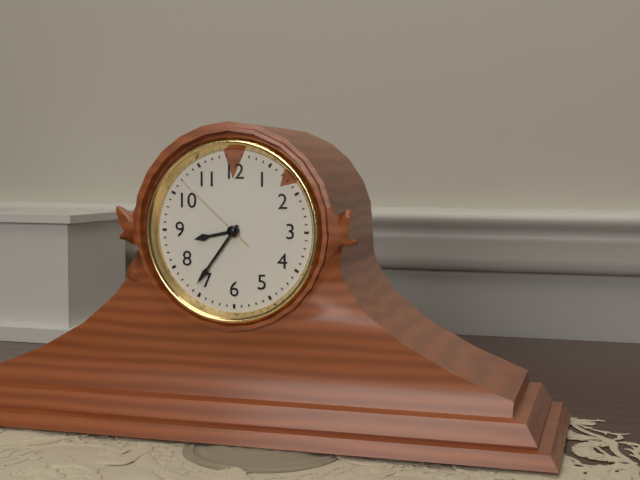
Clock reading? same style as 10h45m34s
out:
8h36m52s
